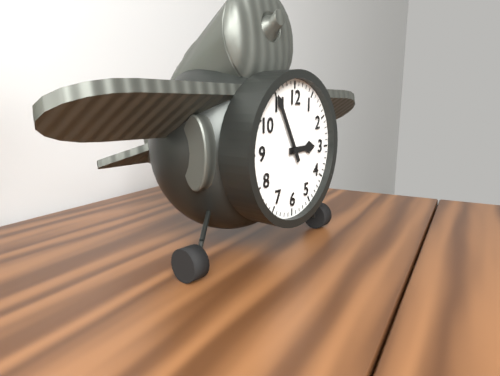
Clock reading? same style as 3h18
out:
2h55
